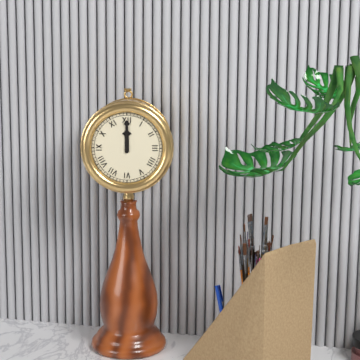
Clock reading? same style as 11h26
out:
12h00
